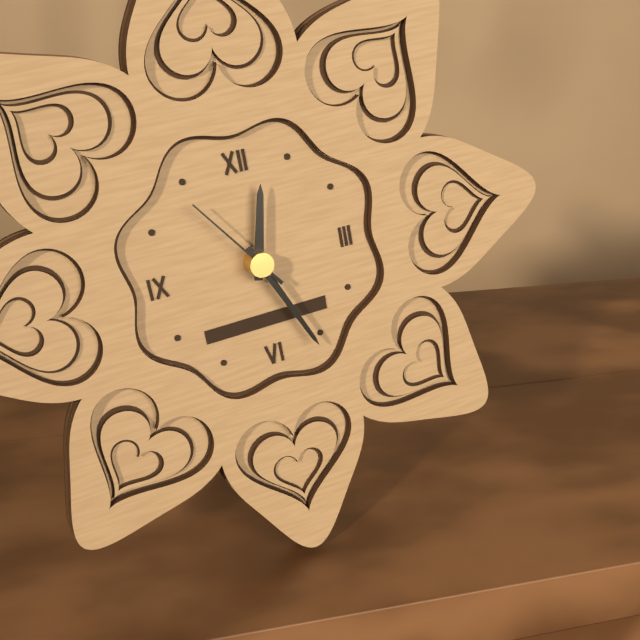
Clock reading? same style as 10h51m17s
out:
12h26m54s
